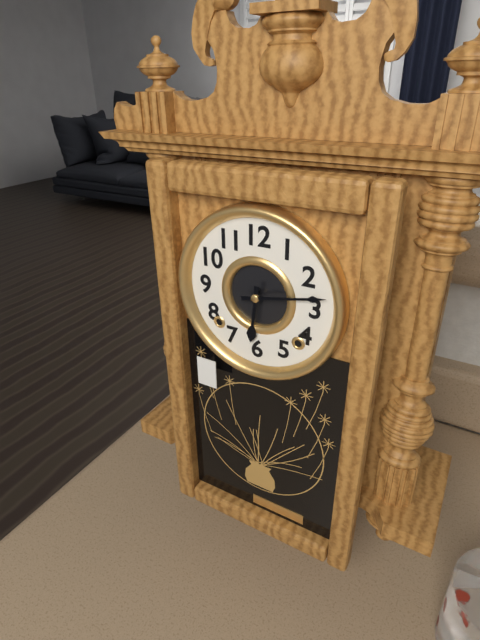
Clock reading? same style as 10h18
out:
6h13
